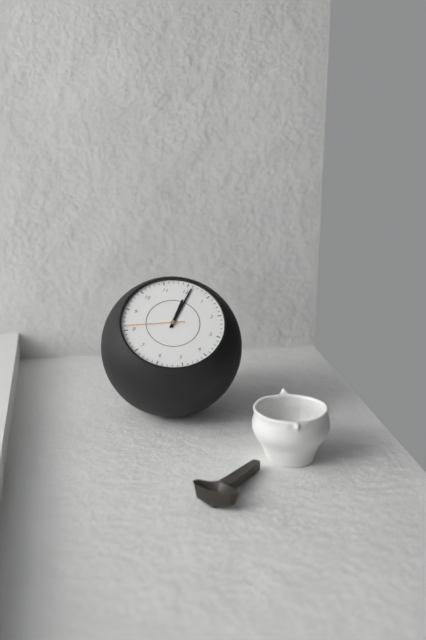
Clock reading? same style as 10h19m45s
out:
12h01m41s
